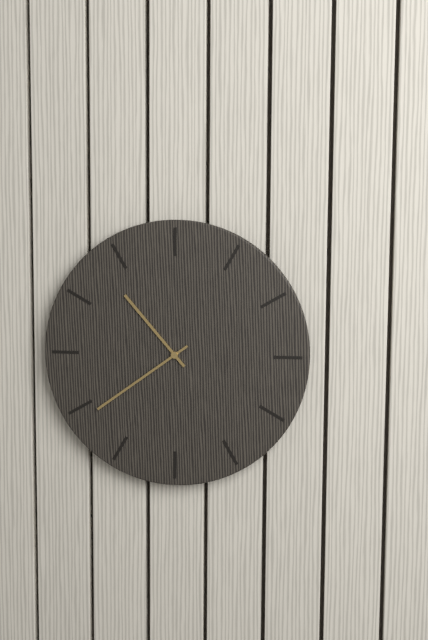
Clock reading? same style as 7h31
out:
10h39
